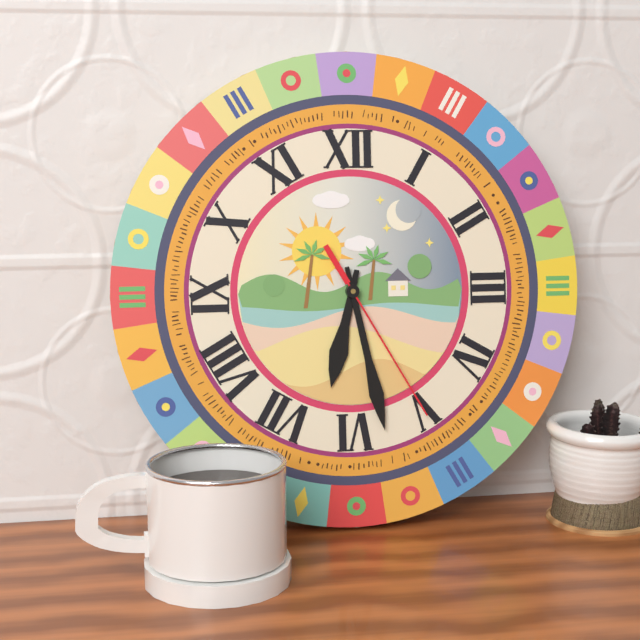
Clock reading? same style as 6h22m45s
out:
6h28m25s
